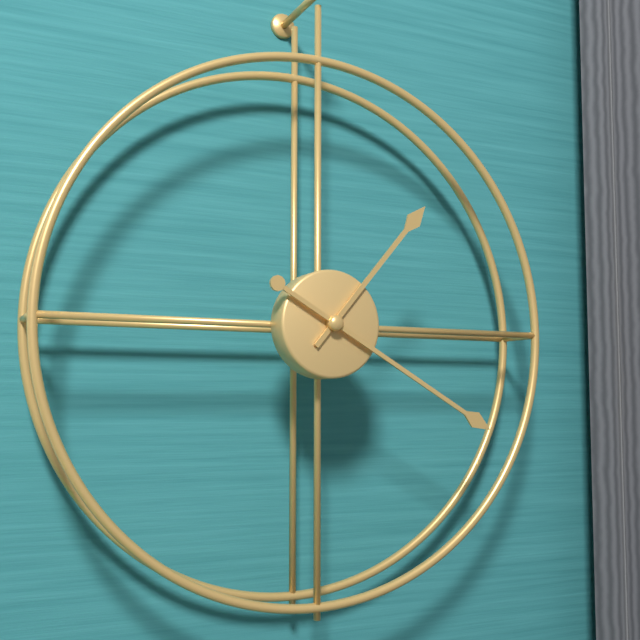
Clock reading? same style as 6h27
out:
1h20
